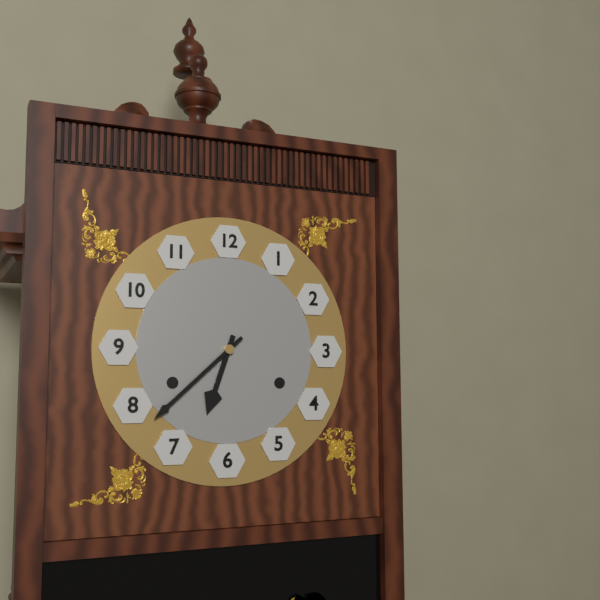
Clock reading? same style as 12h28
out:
6h38
